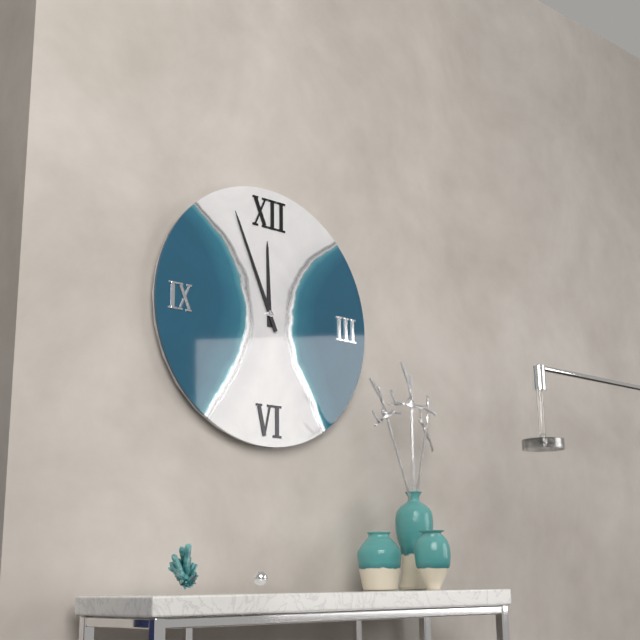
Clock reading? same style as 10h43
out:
11h56
